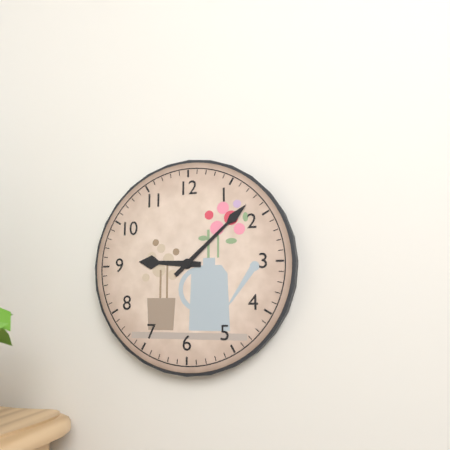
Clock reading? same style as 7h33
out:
9h08
